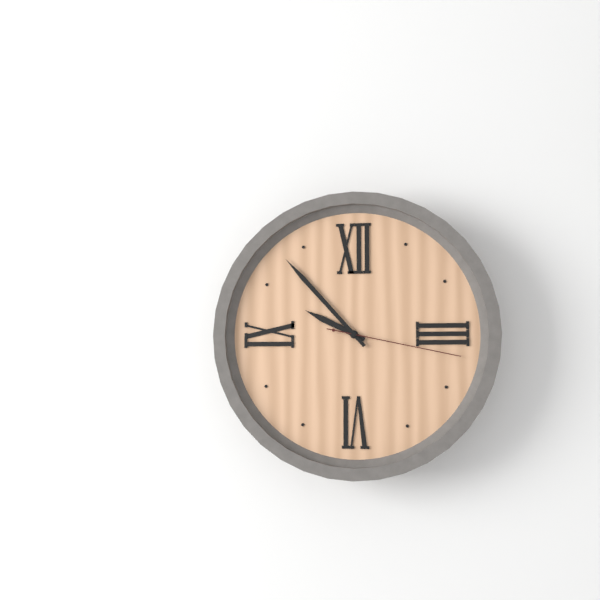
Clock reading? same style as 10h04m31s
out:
9h53m17s
